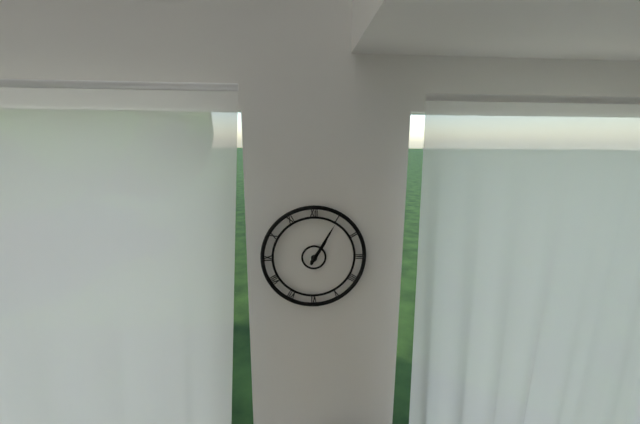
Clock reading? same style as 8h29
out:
1h05
